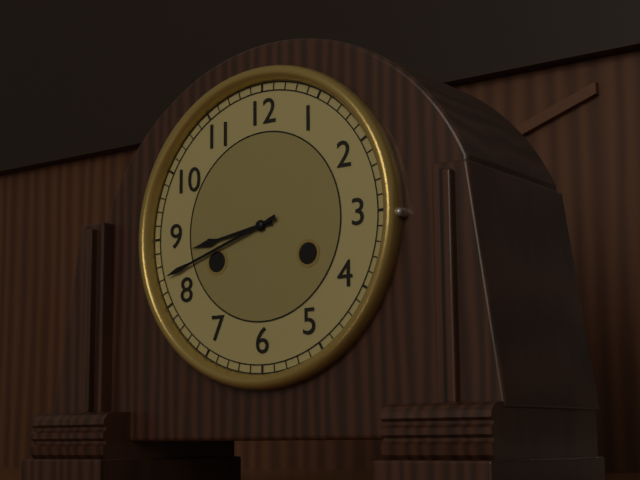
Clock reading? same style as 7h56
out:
8h42
